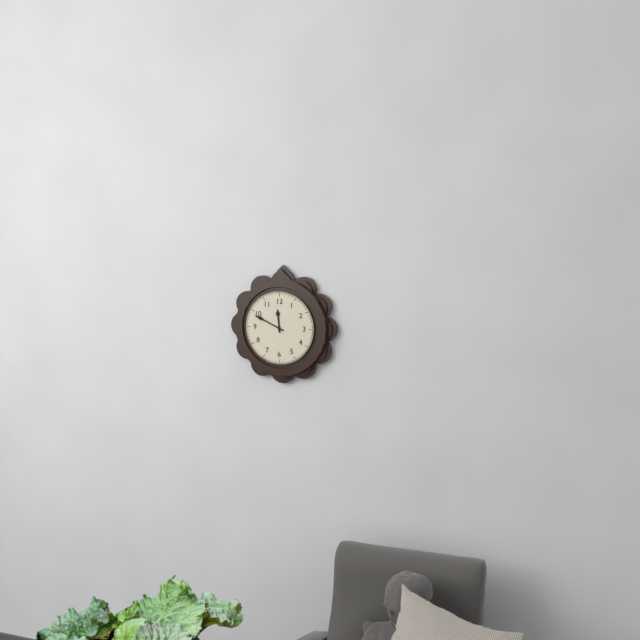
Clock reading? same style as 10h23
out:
11h49
